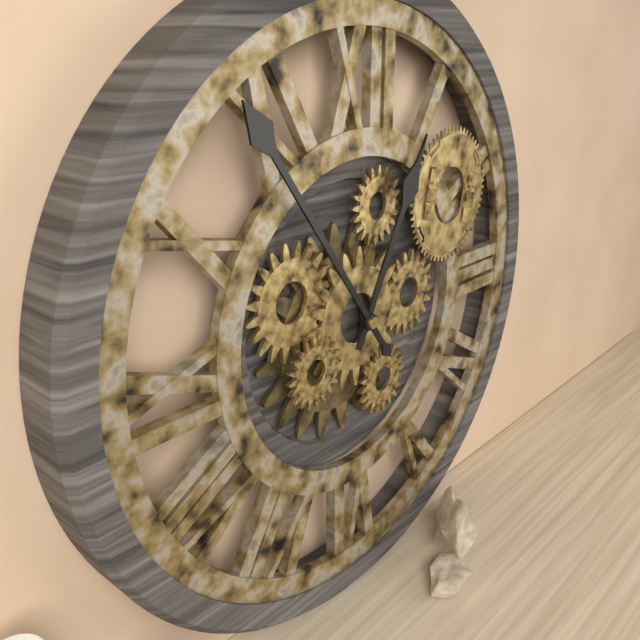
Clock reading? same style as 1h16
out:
12h54
